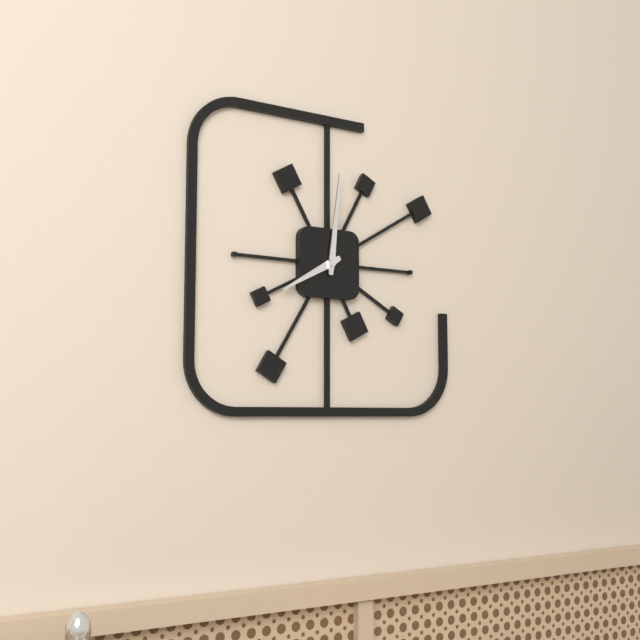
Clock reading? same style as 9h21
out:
8h01
